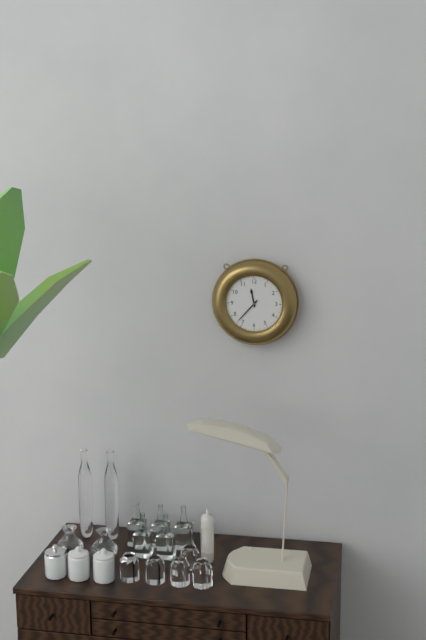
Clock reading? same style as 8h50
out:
11h37
